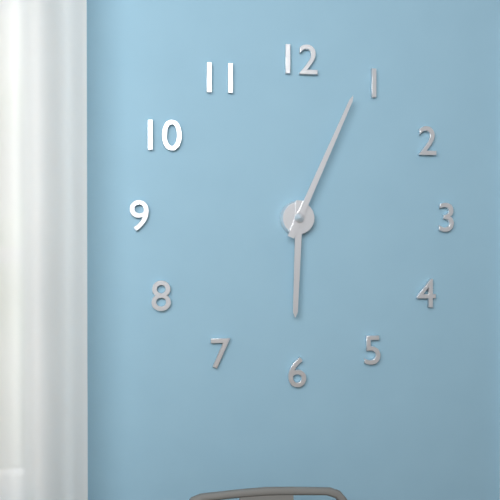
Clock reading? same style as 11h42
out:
6h04
